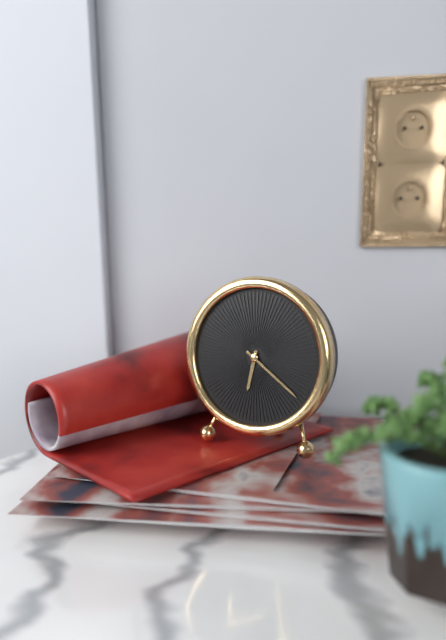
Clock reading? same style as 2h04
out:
6h21
